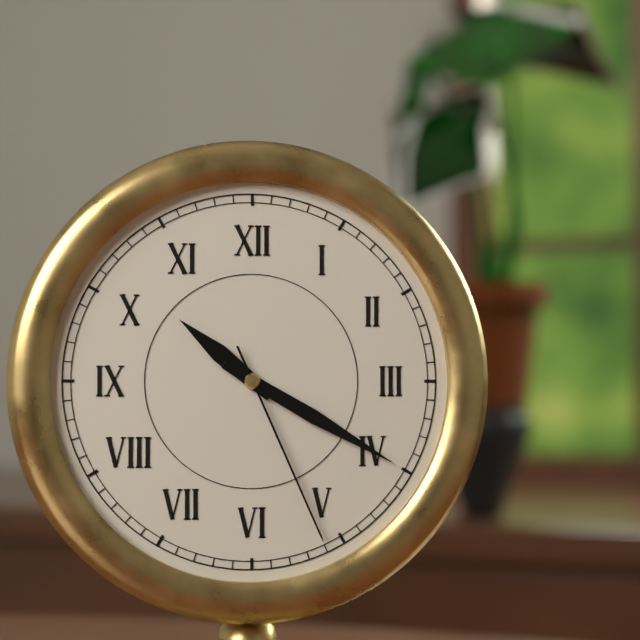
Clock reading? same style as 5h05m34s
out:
10h20m26s
